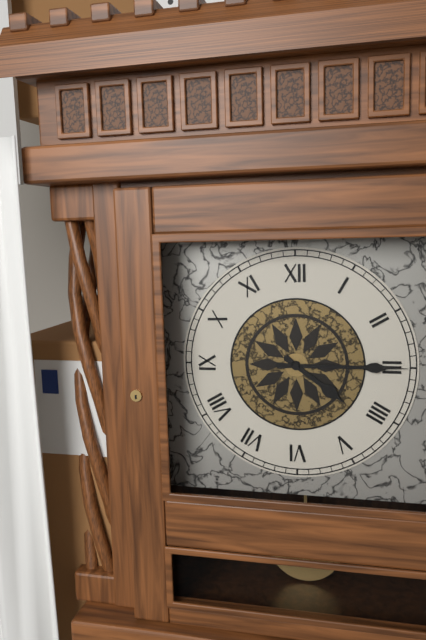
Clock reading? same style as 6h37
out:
4h15
